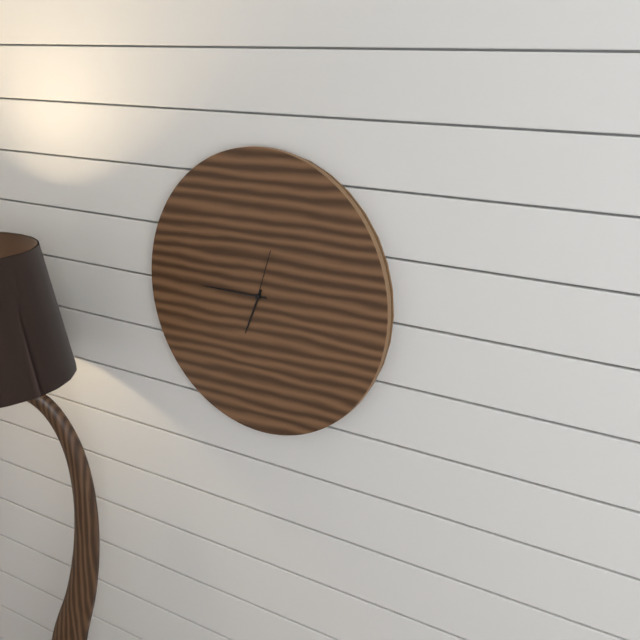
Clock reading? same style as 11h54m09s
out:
6h45m03s
